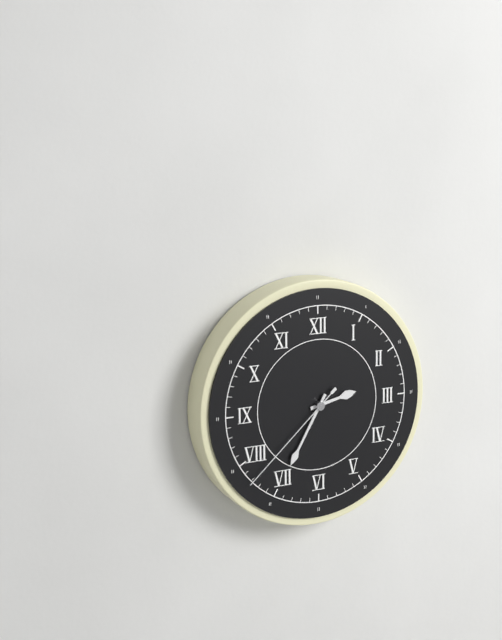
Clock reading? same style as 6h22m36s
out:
2h35m38s
